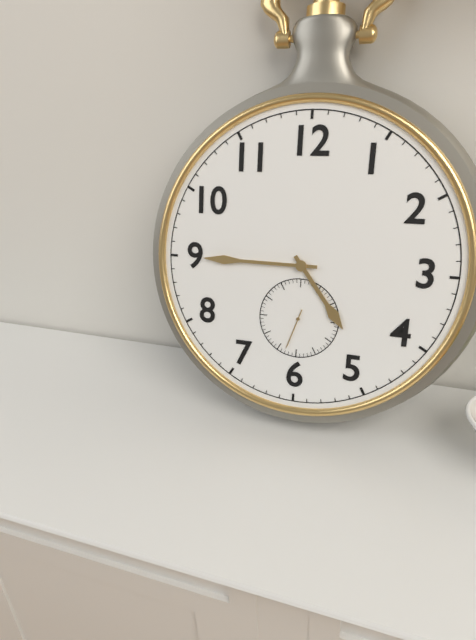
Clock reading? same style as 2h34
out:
4h45
